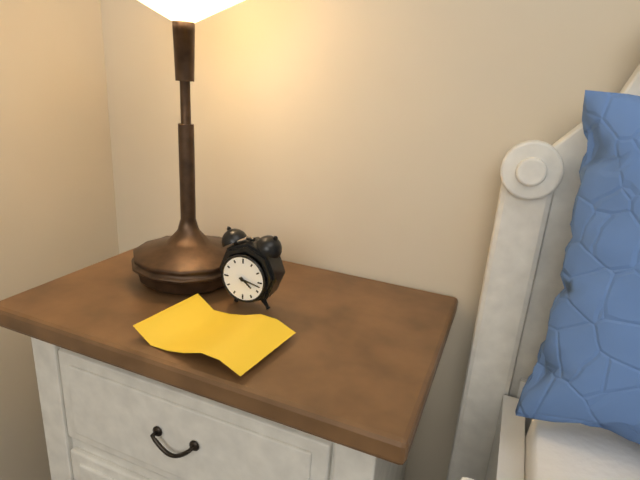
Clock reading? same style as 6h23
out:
4h17
